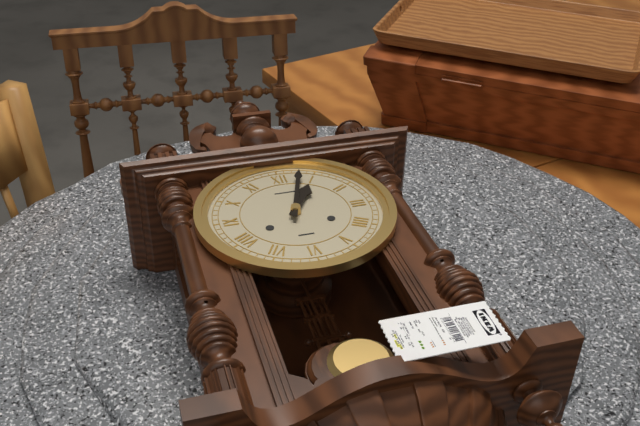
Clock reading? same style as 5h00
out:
1h03
